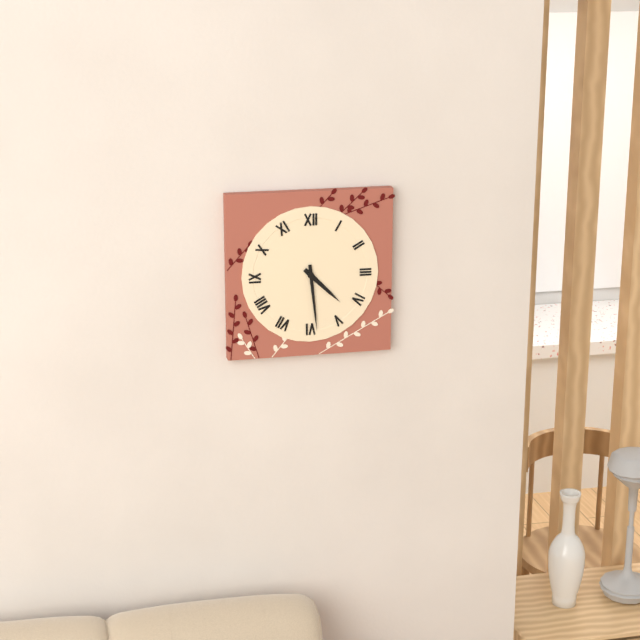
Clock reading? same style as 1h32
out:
4h29
